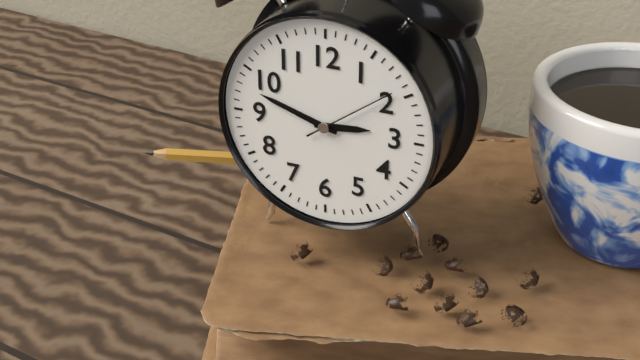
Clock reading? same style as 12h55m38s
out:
2h48m09s
